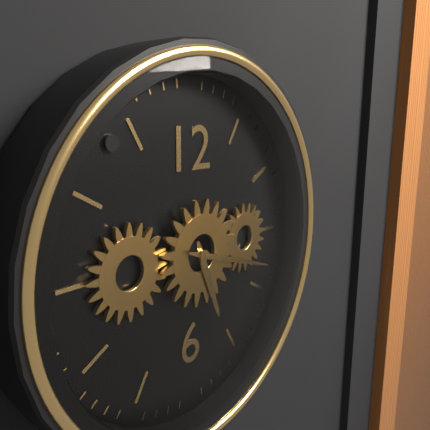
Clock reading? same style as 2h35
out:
5h18
